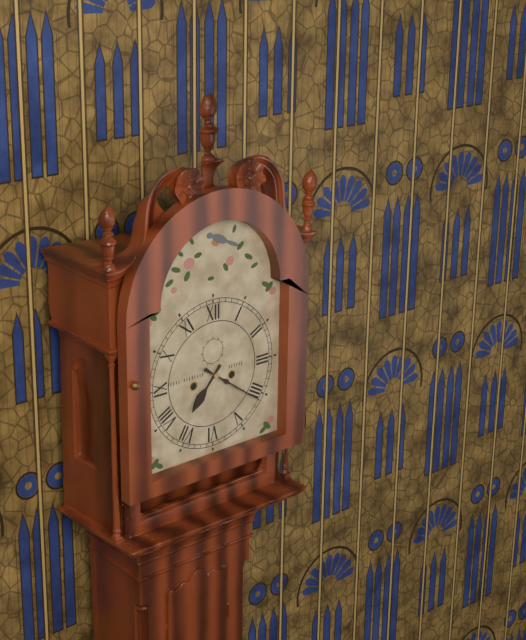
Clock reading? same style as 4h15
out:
7h21
